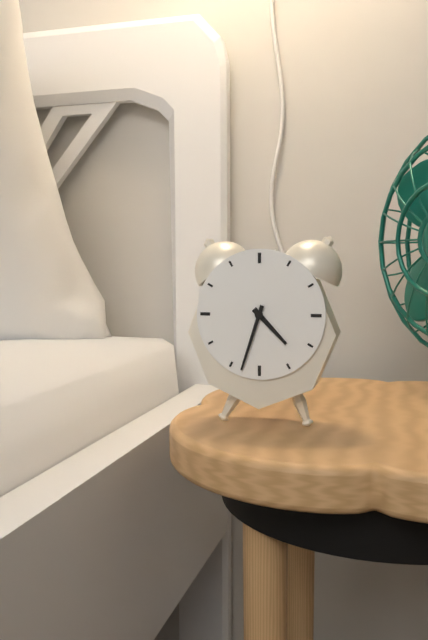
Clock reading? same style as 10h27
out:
4h33
